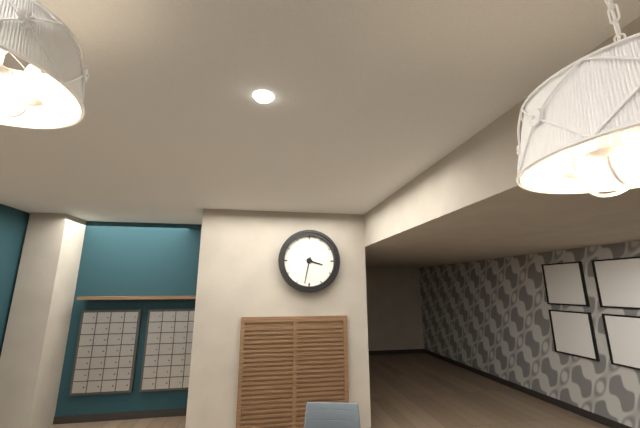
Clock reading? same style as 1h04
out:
3h32
